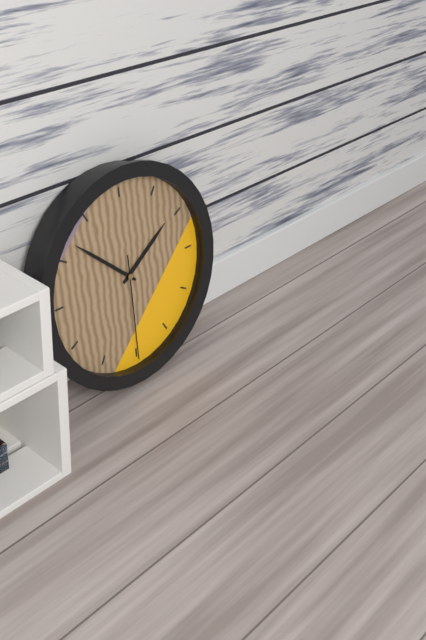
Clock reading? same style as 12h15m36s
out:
1h52m30s
